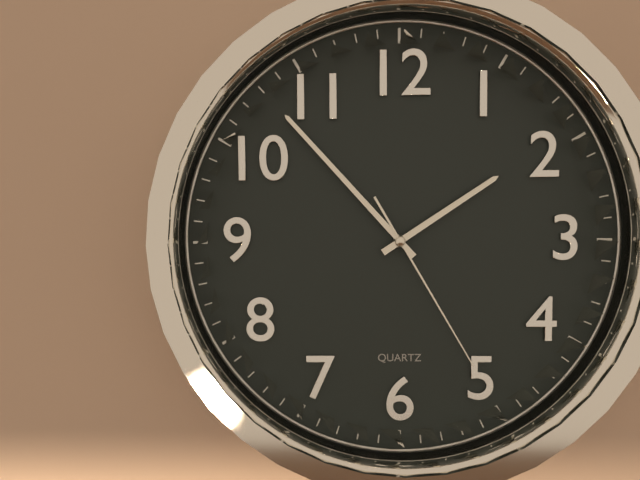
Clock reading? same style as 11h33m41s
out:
1h53m25s
